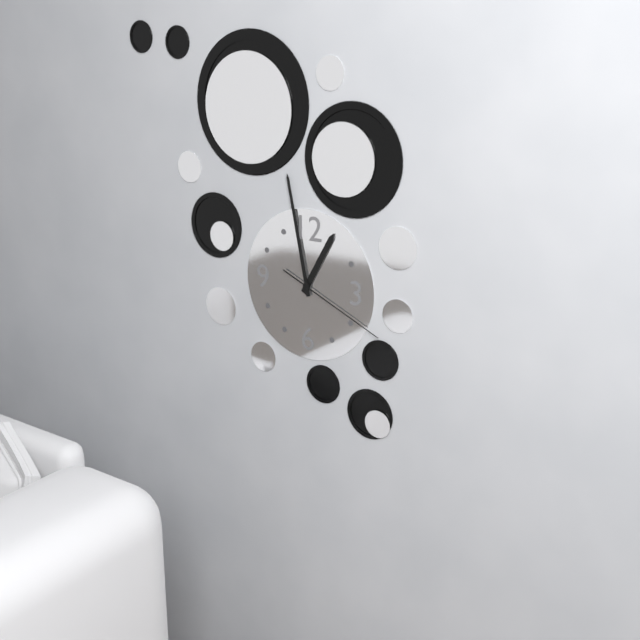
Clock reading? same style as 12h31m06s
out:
12h58m19s
